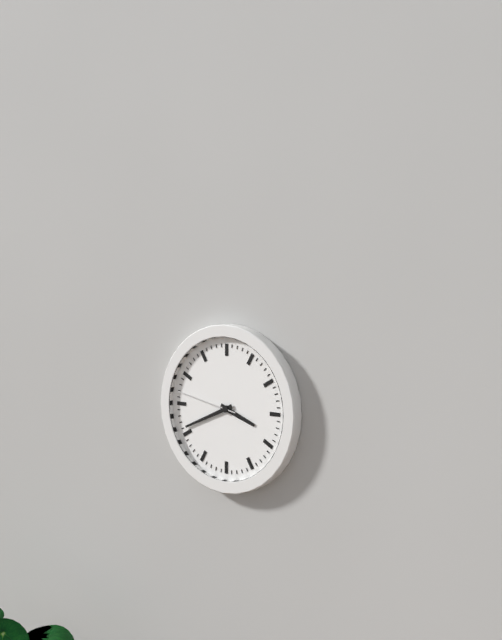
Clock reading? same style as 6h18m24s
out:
3h41m47s
